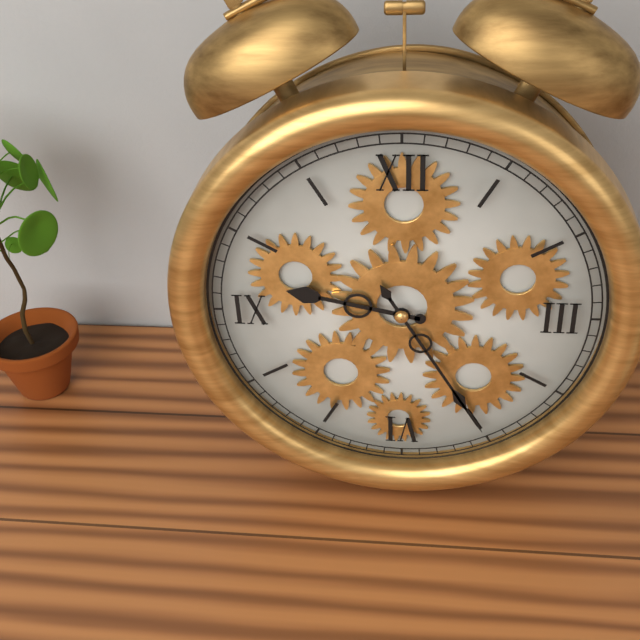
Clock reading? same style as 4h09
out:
9h25
